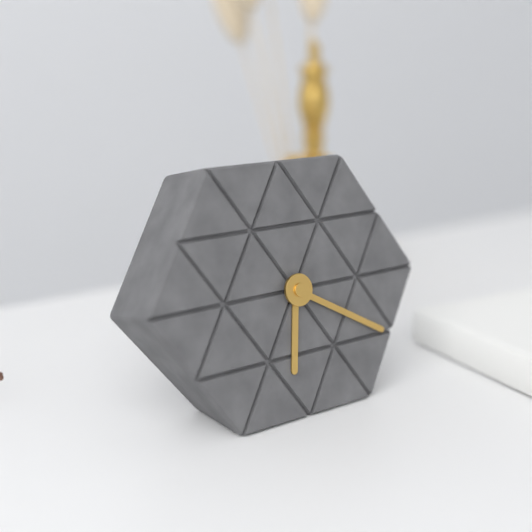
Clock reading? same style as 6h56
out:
6h20
